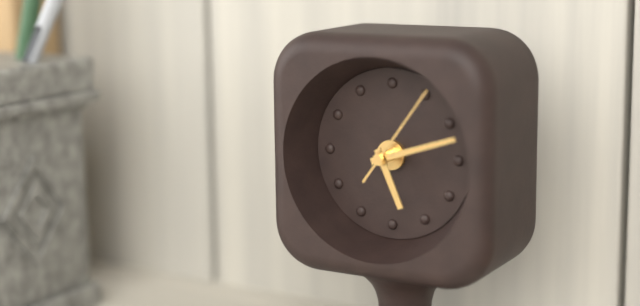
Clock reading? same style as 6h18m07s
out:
5h12m06s
